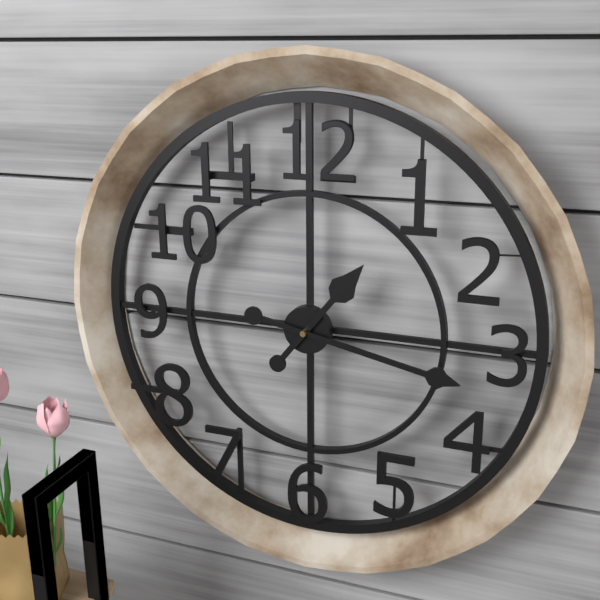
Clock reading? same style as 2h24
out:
1h17
